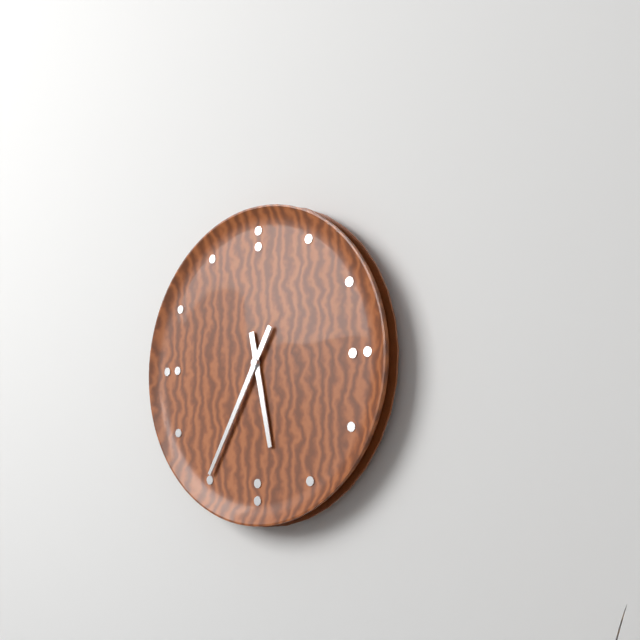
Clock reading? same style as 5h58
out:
5h35
